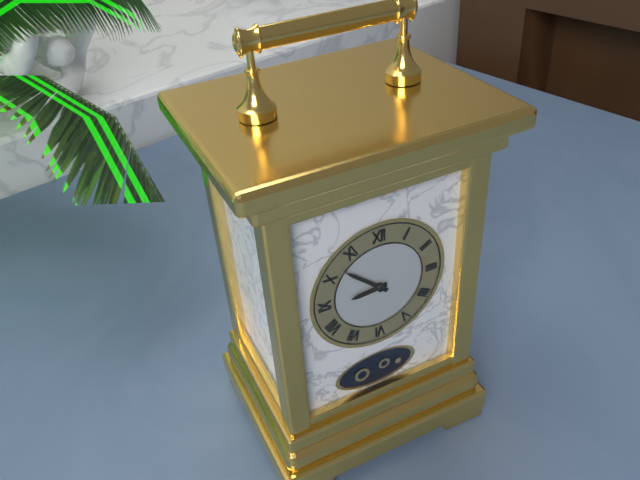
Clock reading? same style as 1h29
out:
8h52
